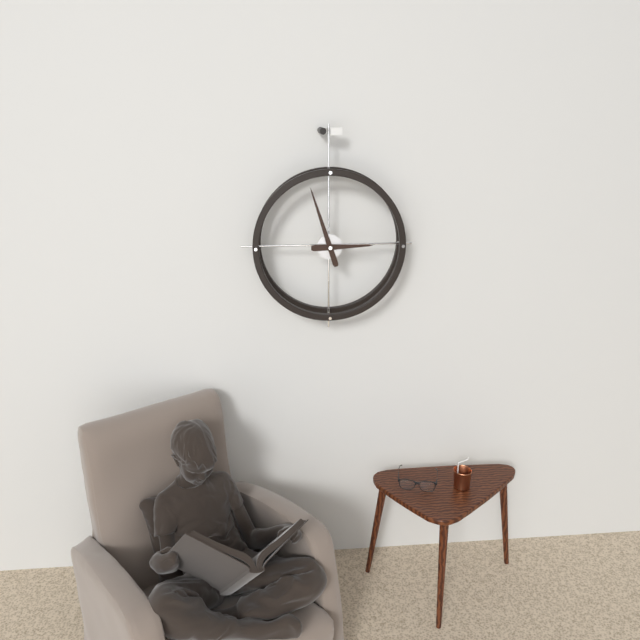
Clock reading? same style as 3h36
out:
2h57
